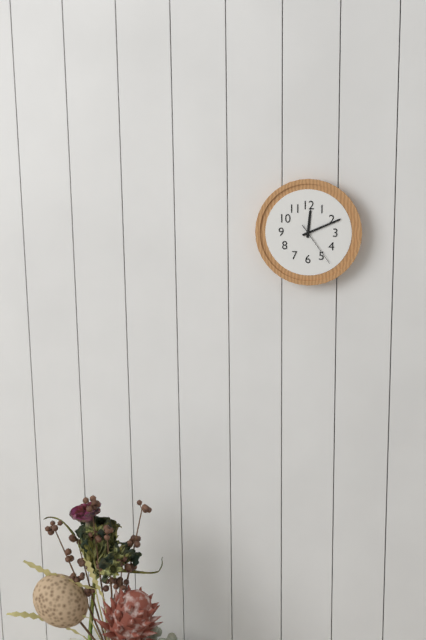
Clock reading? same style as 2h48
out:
12h11
